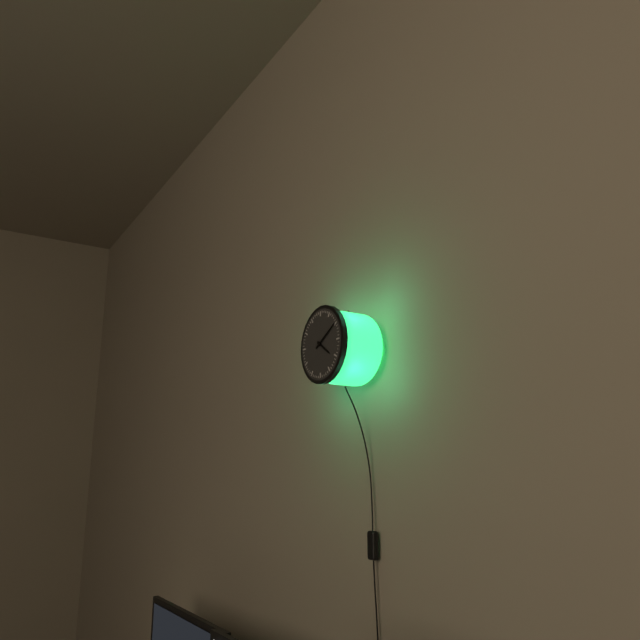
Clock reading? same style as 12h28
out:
4h10
